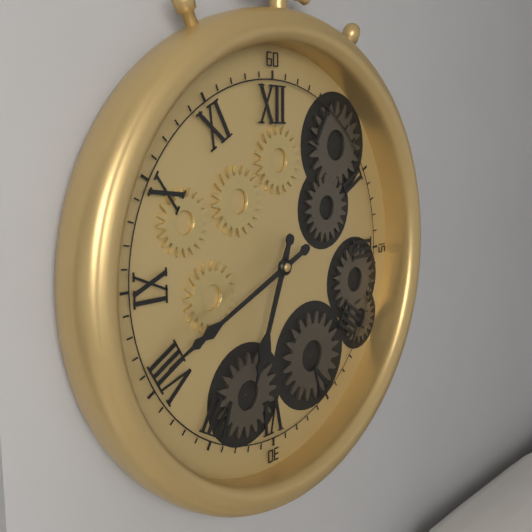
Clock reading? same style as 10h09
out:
6h41
